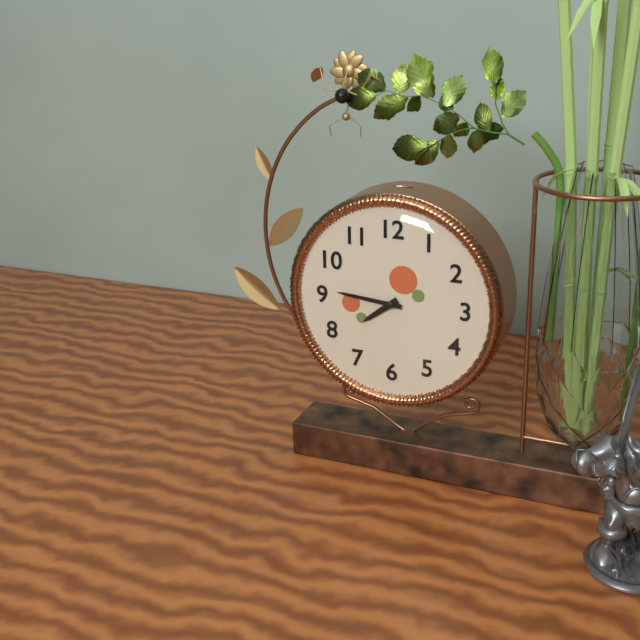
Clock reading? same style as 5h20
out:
7h46
